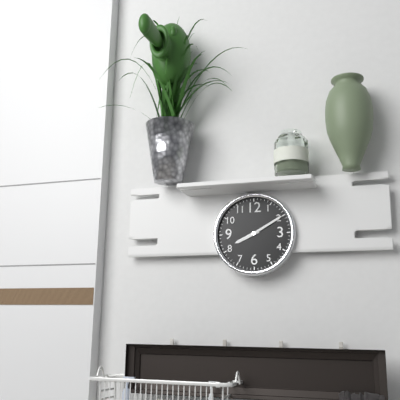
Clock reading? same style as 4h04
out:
8h10
